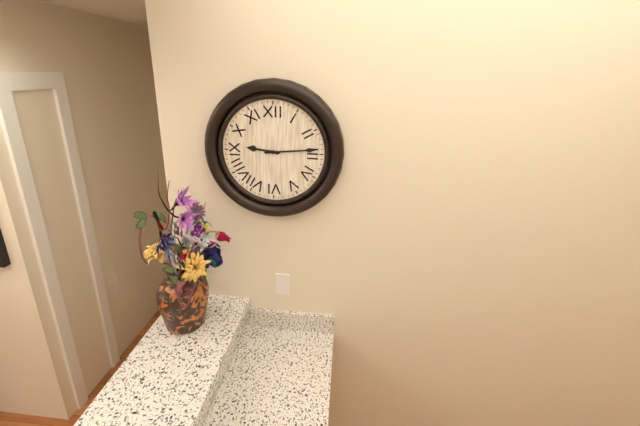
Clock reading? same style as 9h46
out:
9h14
